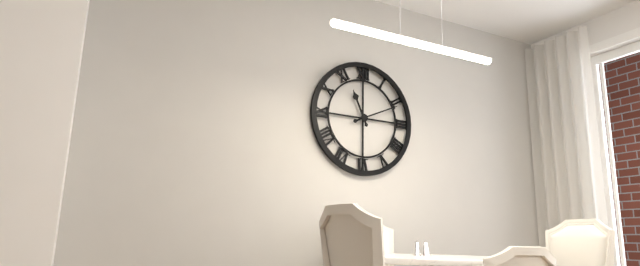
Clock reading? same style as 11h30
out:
11h11
